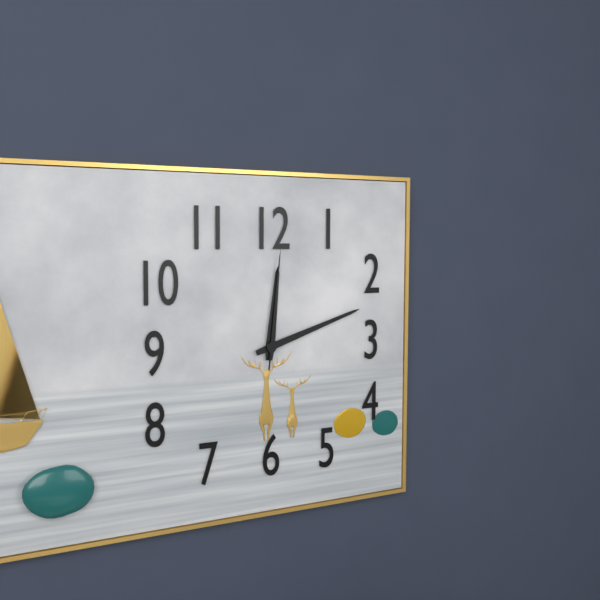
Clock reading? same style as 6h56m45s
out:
12h12m01s
